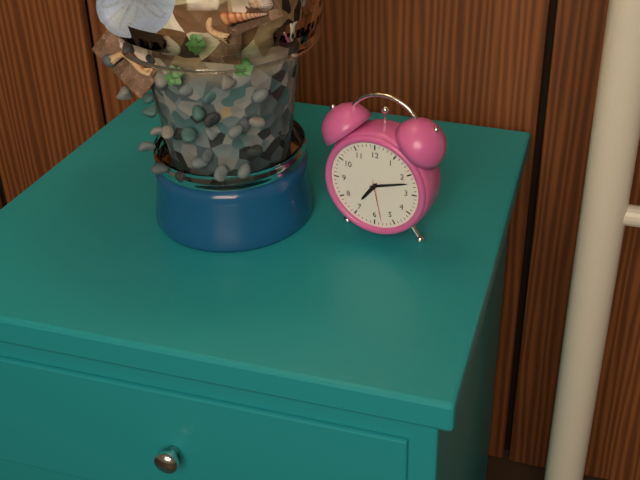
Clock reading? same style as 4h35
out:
7h12
